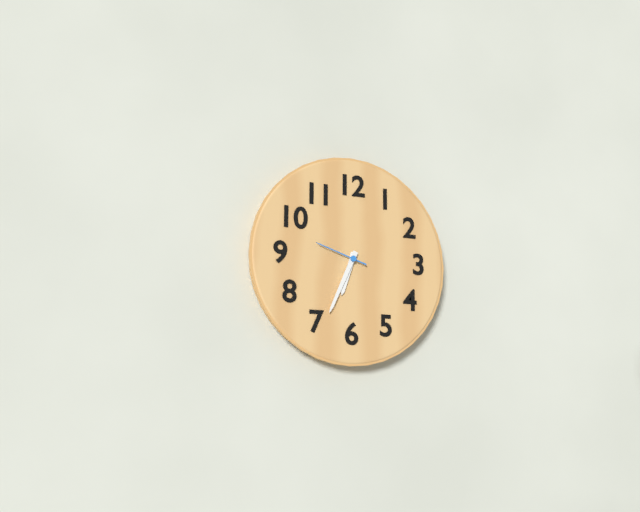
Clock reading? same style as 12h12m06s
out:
6h34m48s
